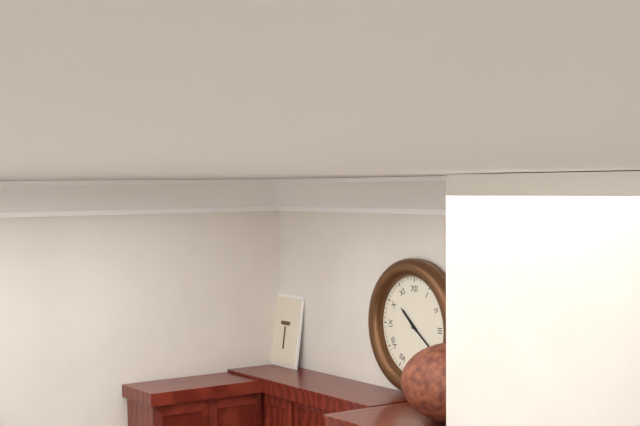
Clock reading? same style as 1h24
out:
10h21
